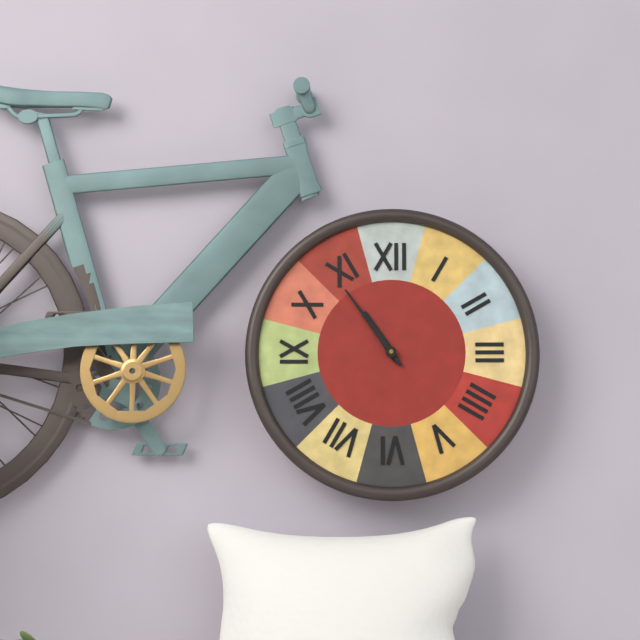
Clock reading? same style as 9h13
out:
10h54
